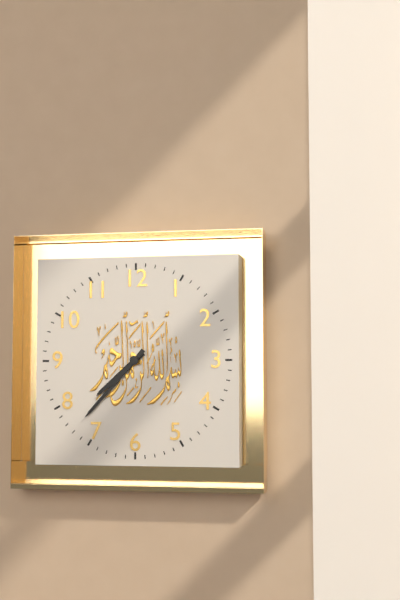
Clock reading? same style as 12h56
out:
7h37
